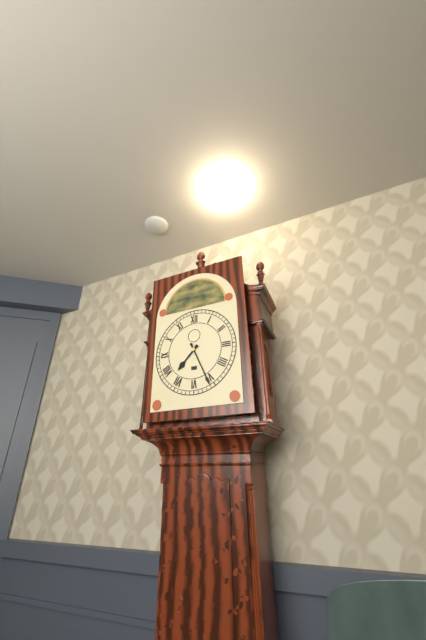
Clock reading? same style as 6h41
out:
7h26
